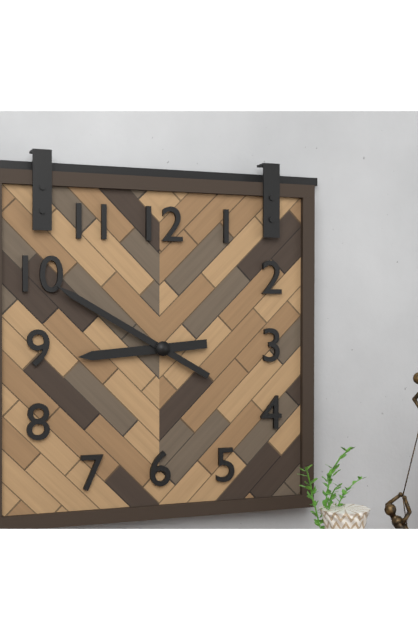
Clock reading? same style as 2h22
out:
8h50
